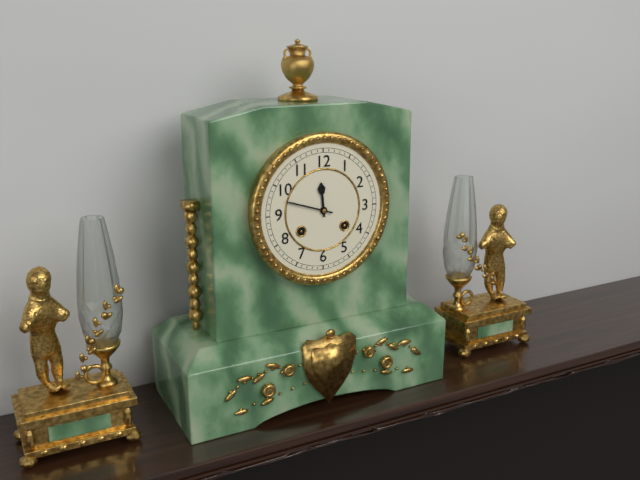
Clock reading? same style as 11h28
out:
11h48
